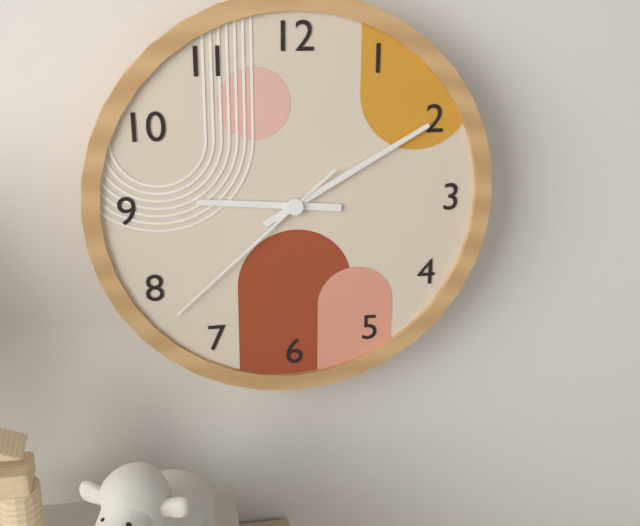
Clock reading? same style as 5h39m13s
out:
9h10m38s
